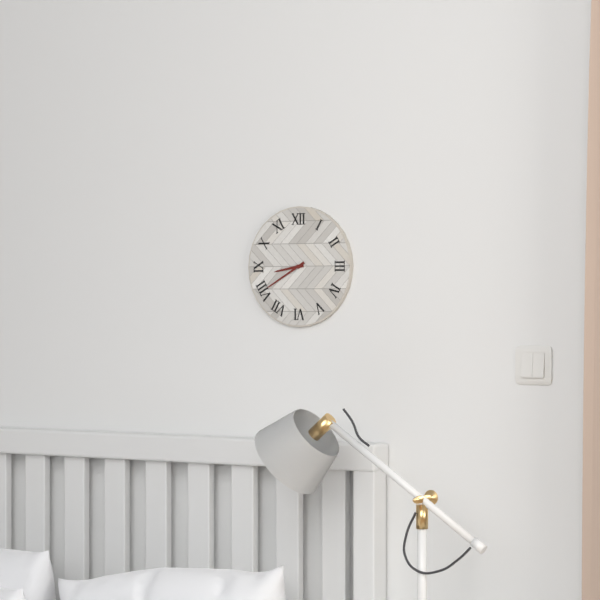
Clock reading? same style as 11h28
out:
8h40
